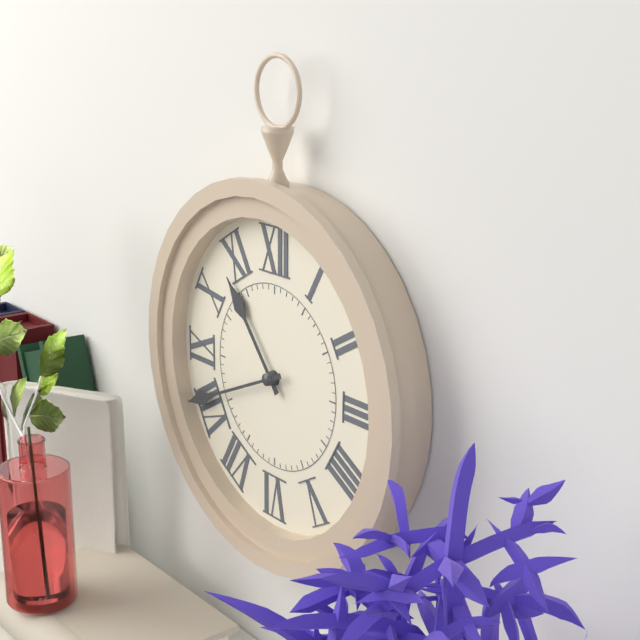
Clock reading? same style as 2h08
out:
10h41
